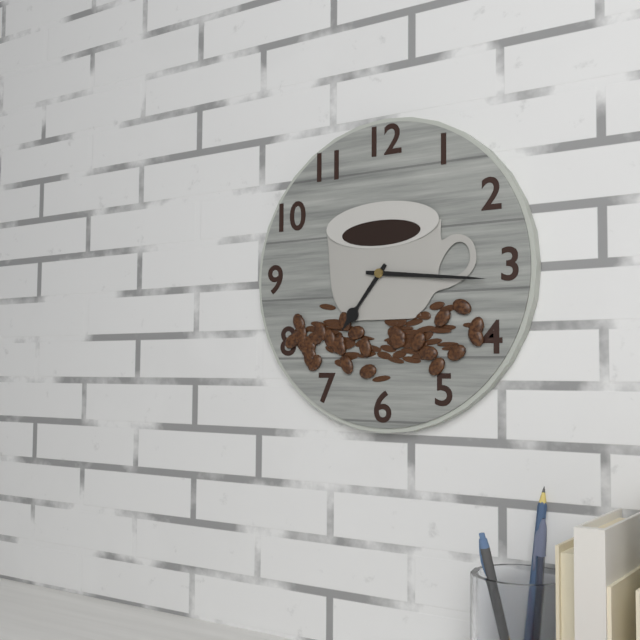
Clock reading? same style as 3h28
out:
7h16
